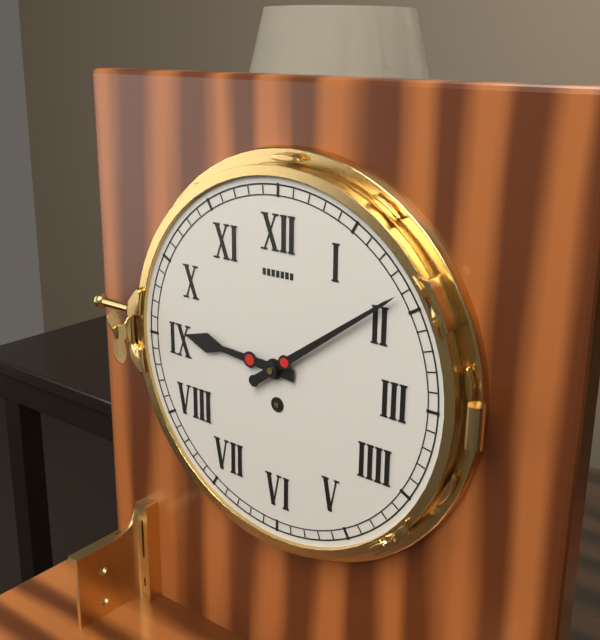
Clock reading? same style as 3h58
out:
9h09
